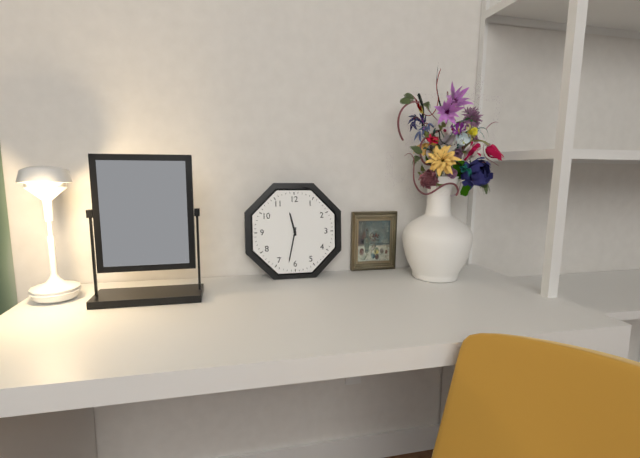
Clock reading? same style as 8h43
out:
11h32
